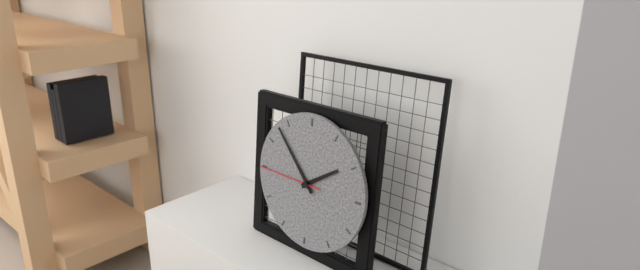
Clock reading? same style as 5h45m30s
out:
1h53m45s
